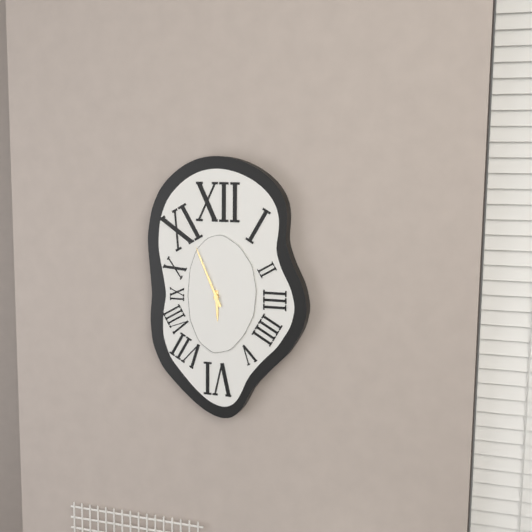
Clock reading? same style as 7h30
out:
5h56
